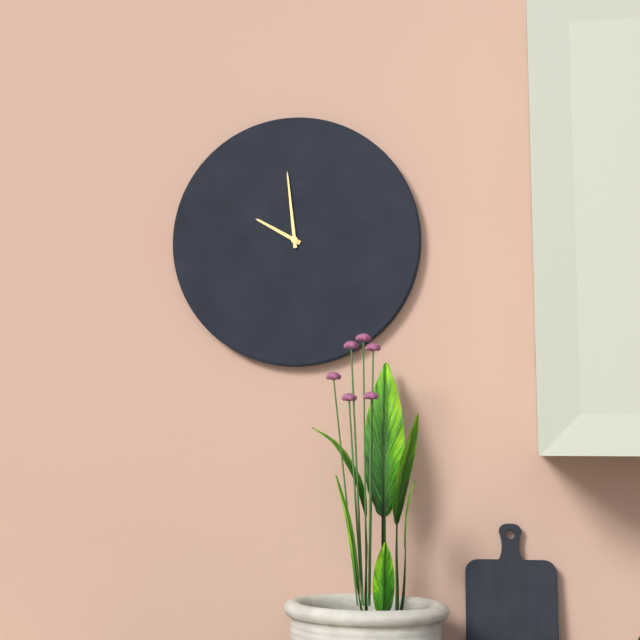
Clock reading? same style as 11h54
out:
9h59
